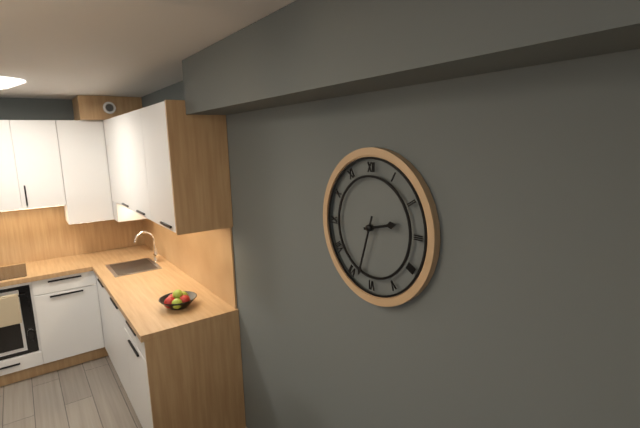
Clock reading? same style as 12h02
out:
2h33
